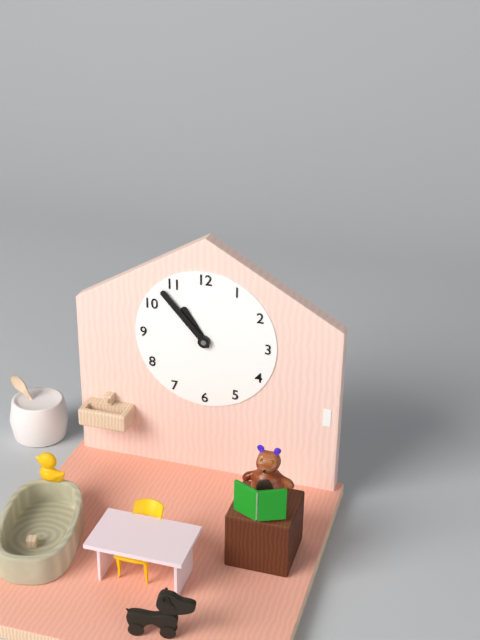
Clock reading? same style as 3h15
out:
10h53
